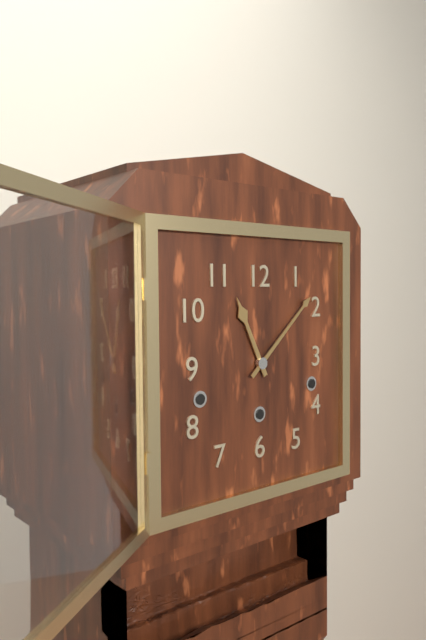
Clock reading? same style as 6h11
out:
11h08
